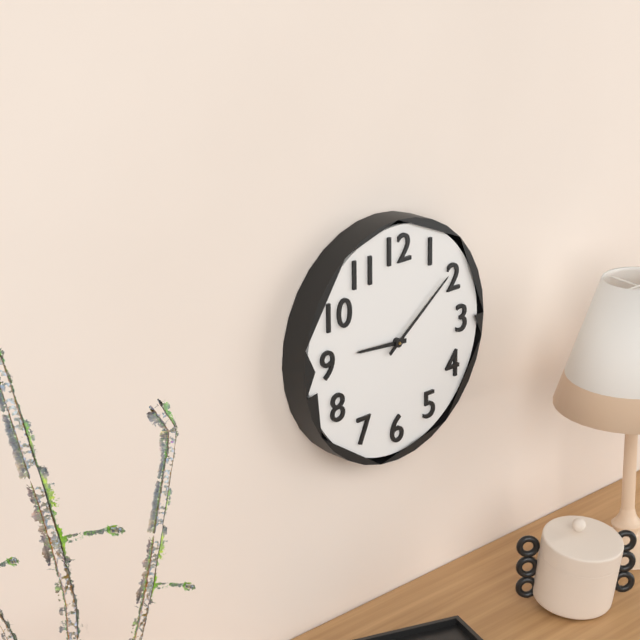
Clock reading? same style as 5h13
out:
9h09
